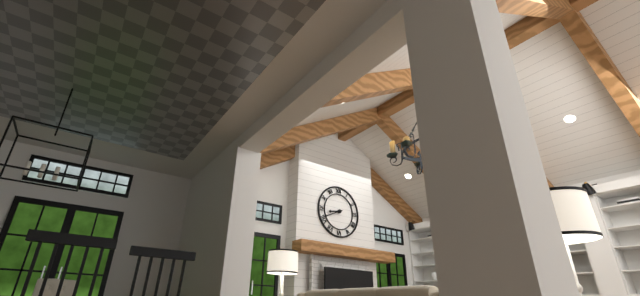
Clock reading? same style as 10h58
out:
8h41
